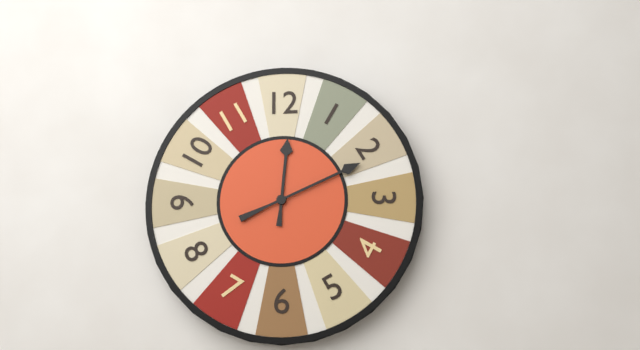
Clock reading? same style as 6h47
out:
12h11
